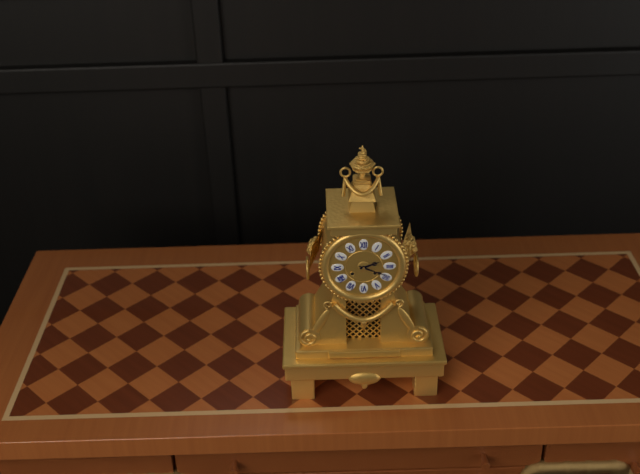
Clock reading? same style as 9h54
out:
2h19
